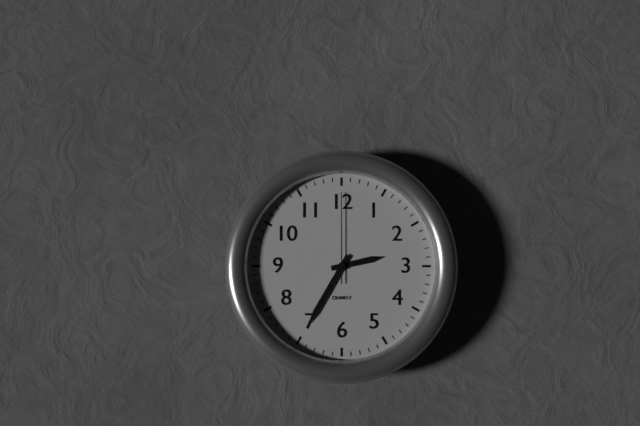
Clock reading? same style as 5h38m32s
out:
2h35m00s
